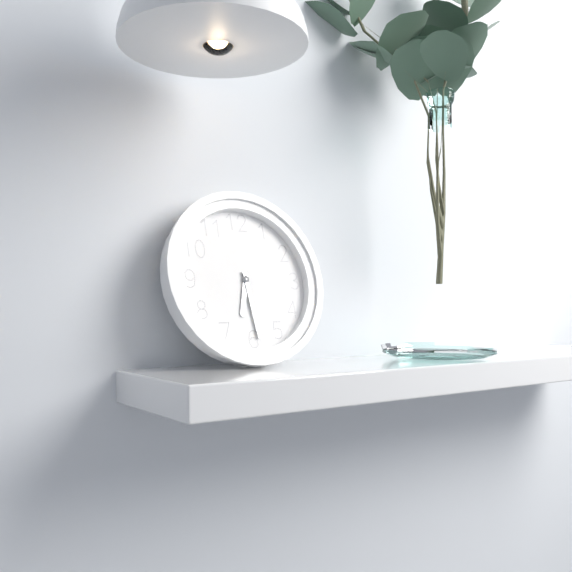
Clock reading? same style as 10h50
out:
6h29
